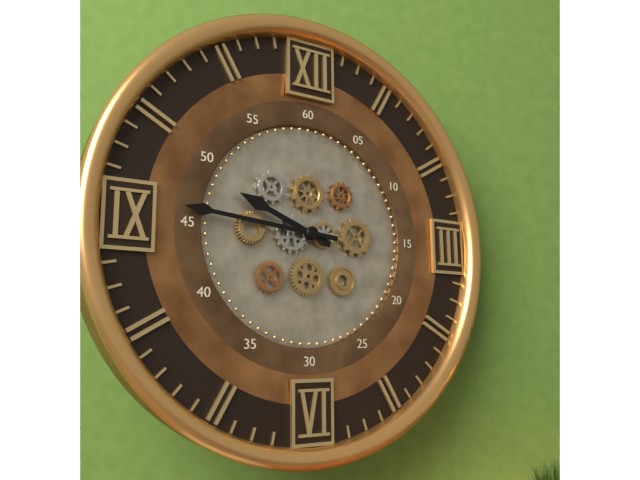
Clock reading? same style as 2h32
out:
9h46
